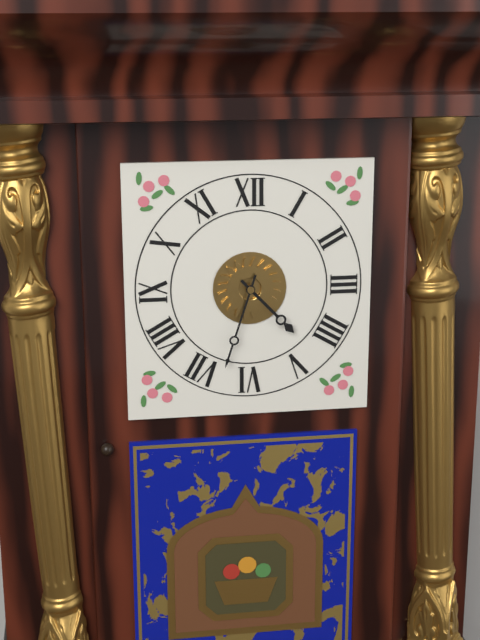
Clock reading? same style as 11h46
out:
4h33
